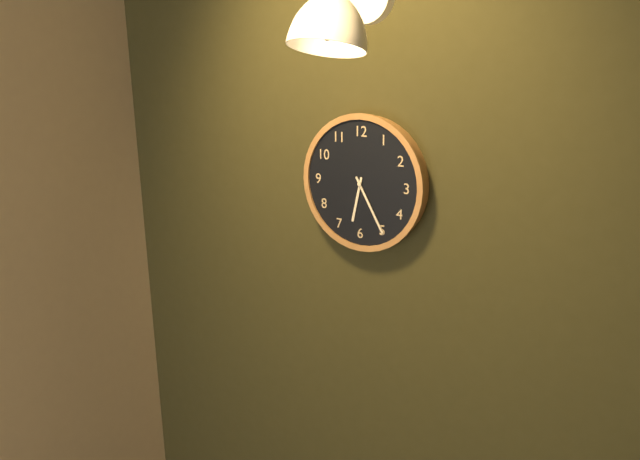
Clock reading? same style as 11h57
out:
6h25
